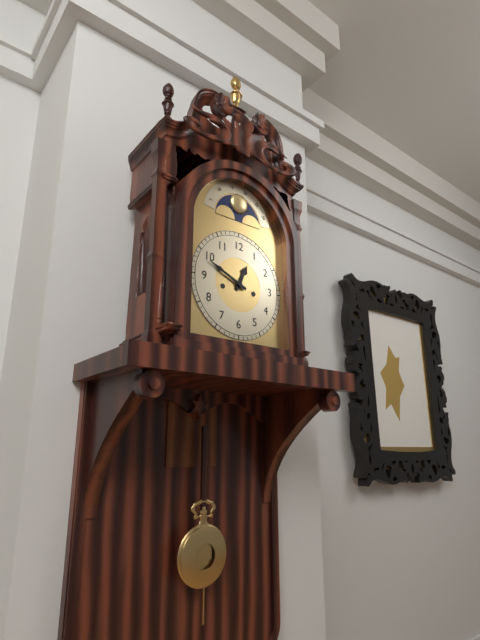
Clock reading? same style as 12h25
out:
12h49
